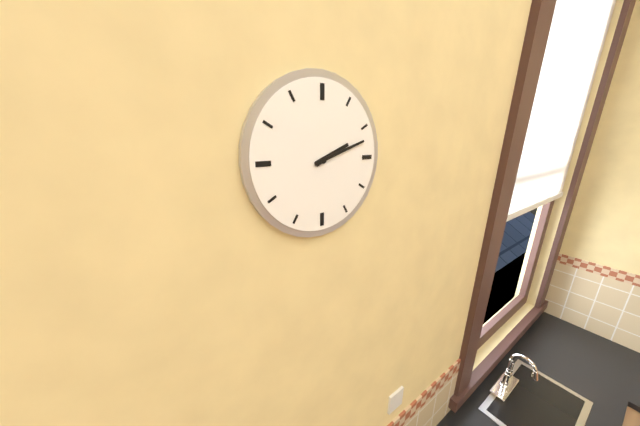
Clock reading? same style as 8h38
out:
2h12
